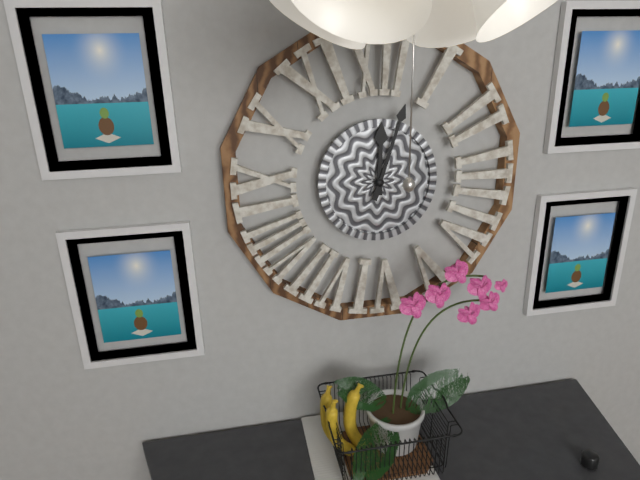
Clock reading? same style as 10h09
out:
12h03
